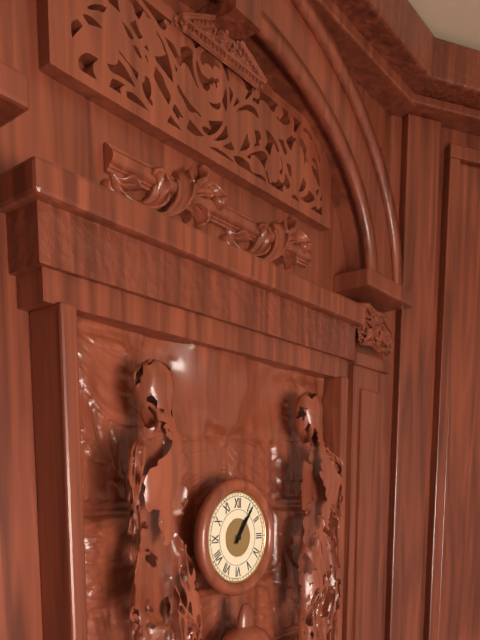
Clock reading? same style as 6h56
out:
1h06
